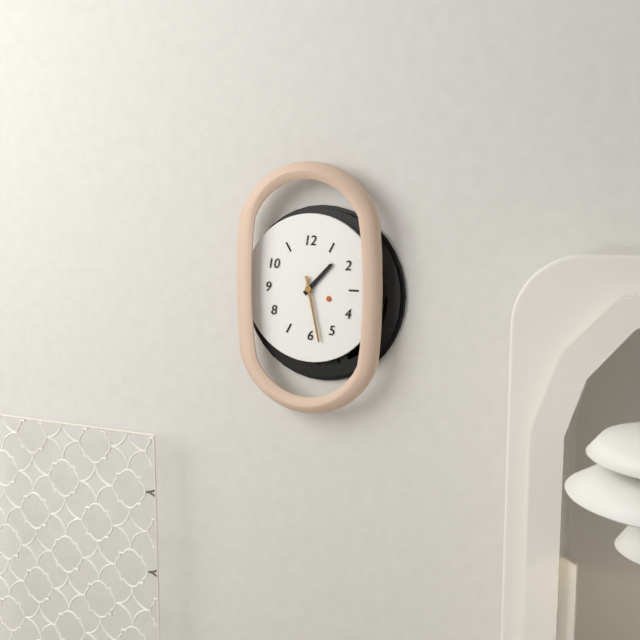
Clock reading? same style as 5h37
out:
1h28
